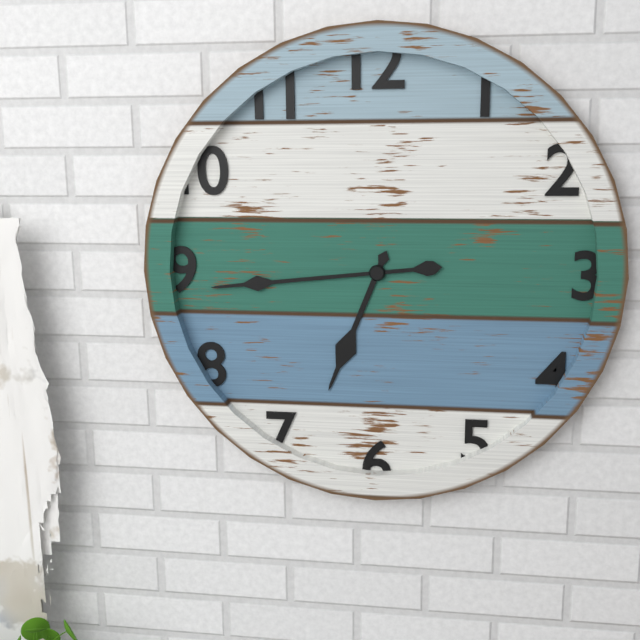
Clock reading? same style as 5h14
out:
6h44
